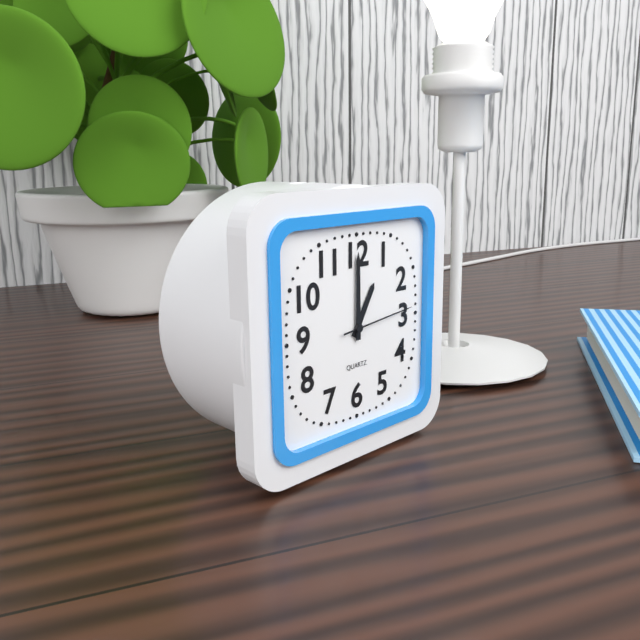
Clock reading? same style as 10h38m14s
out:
1h00m14s
